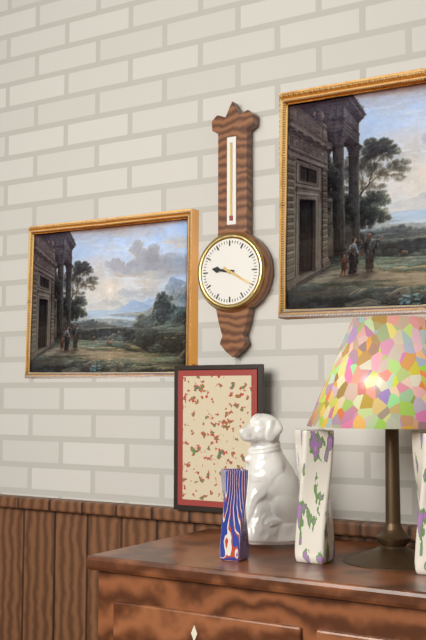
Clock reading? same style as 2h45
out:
9h20
